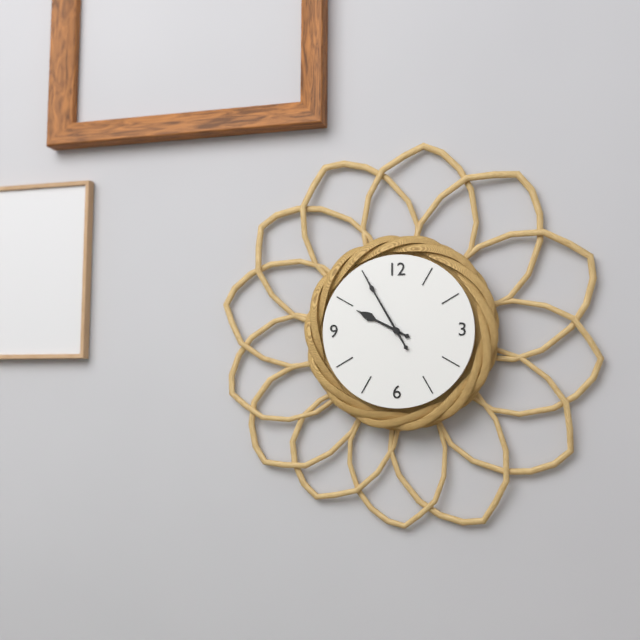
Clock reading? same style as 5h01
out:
9h55
